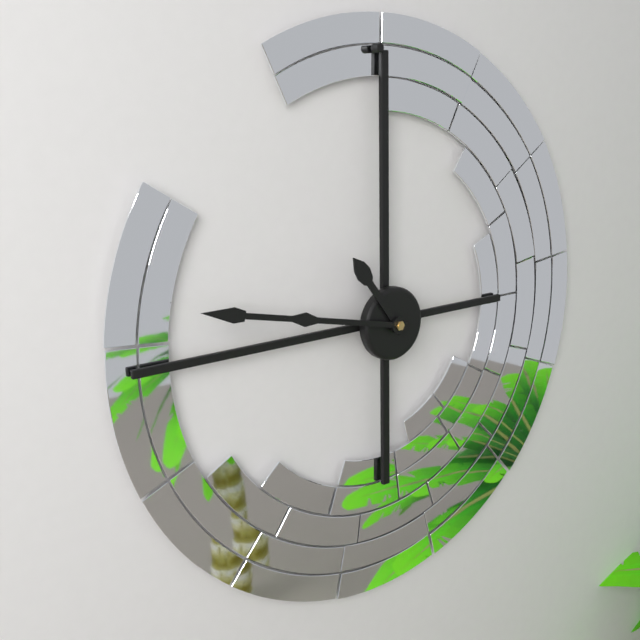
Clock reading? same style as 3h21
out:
10h47
